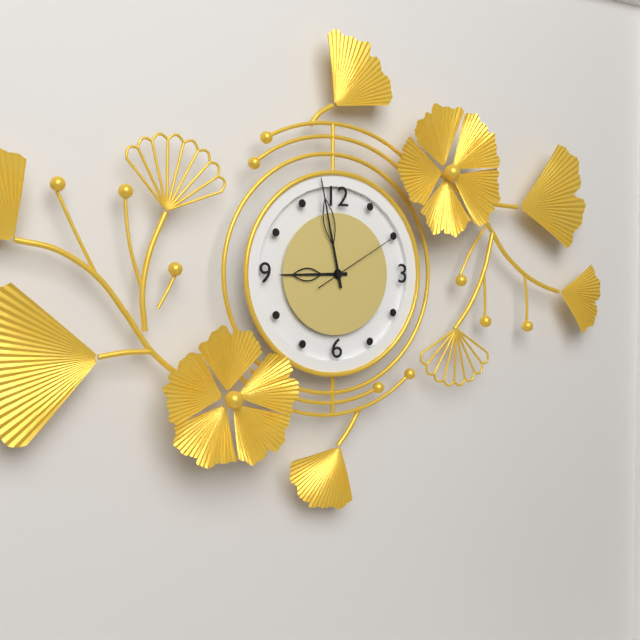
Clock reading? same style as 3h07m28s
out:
8h58m10s
